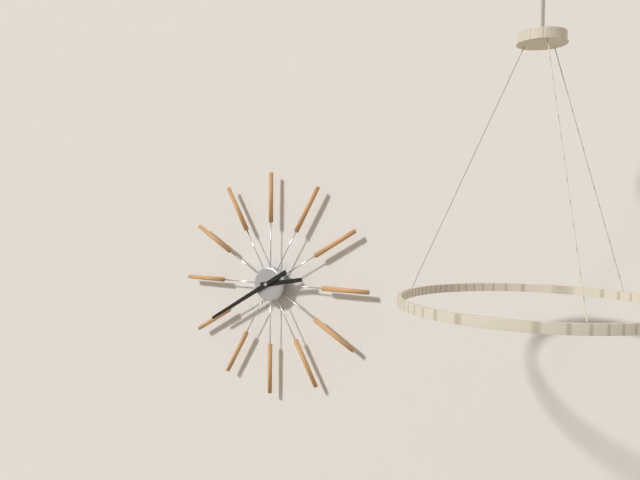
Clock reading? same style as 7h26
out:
2h40
